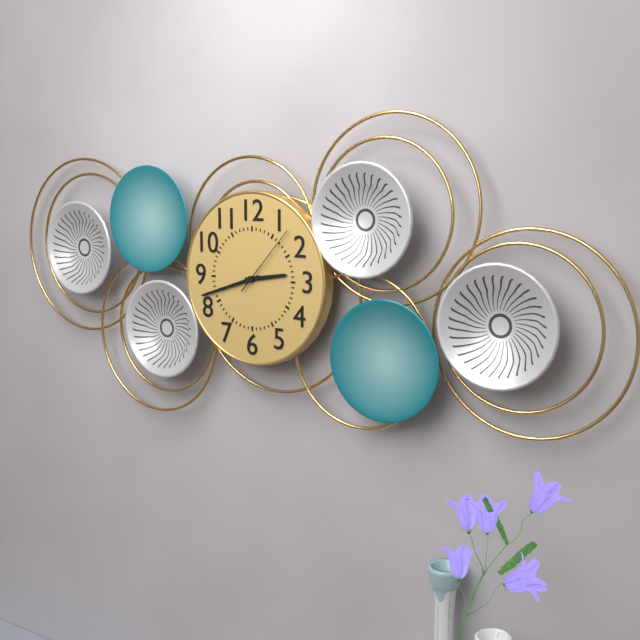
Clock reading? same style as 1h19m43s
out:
2h42m07s
